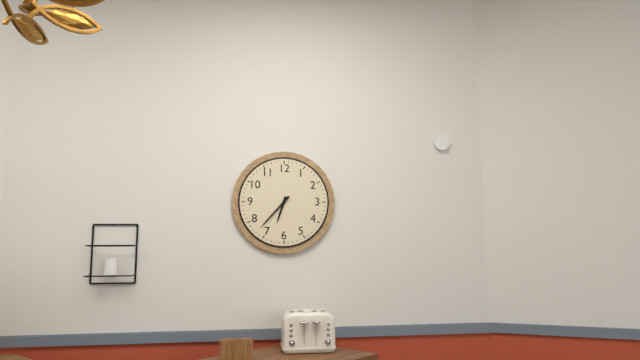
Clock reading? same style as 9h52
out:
6h37
